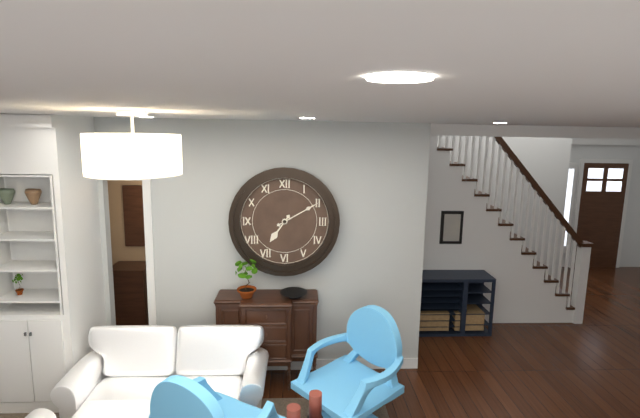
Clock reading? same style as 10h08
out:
7h10
